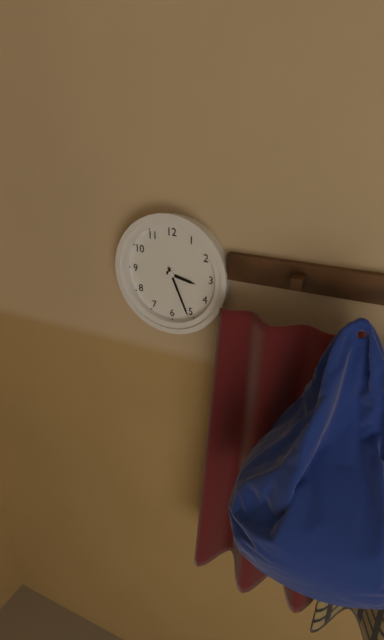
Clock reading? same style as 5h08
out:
3h26
